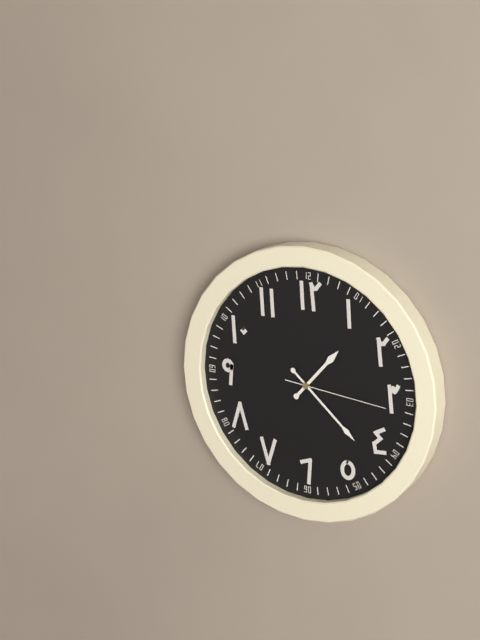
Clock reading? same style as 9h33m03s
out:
1h22m16s
